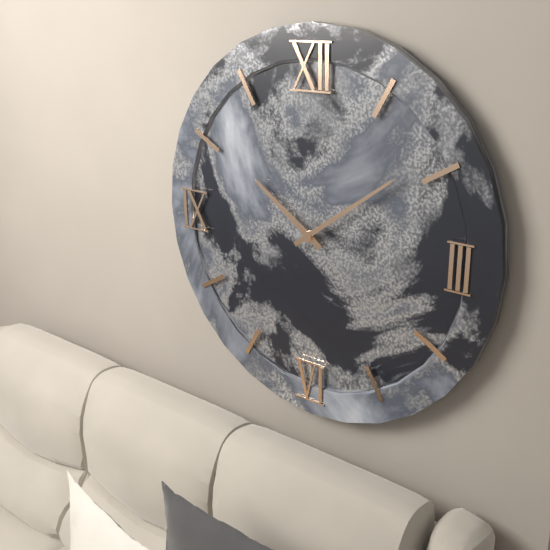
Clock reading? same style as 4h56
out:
10h09
